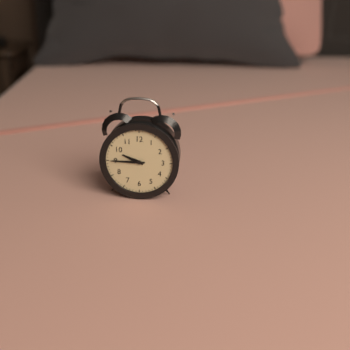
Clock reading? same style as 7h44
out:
9h45
